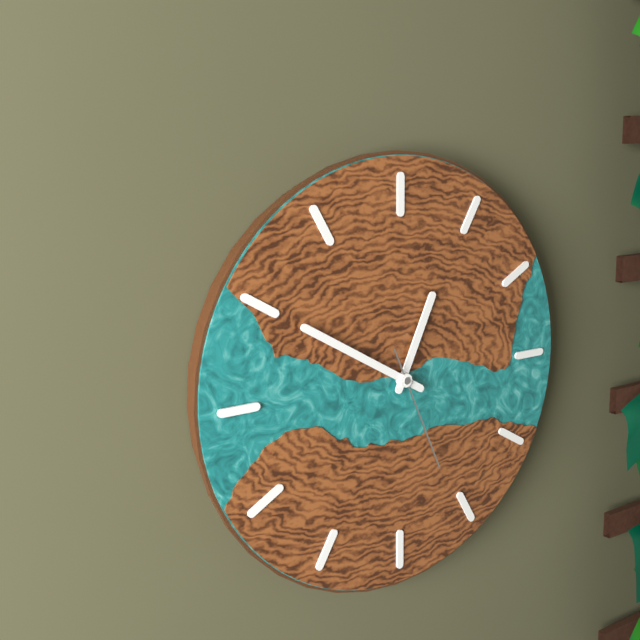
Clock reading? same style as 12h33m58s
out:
12h50m26s
